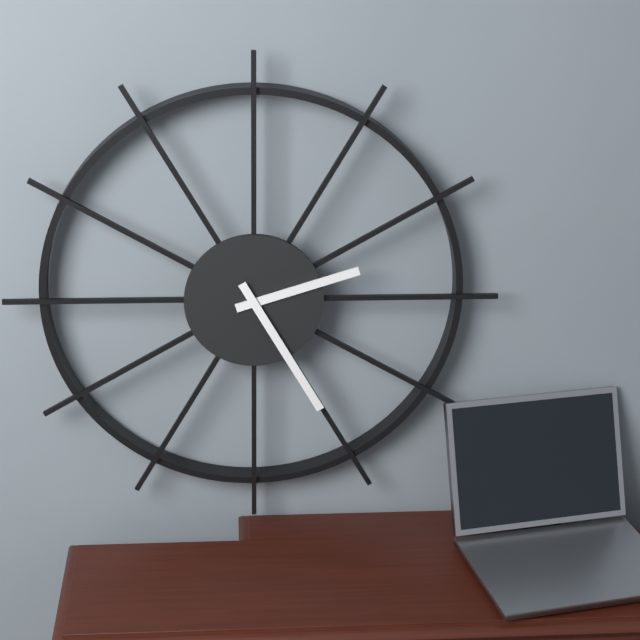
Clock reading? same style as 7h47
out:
2h25
